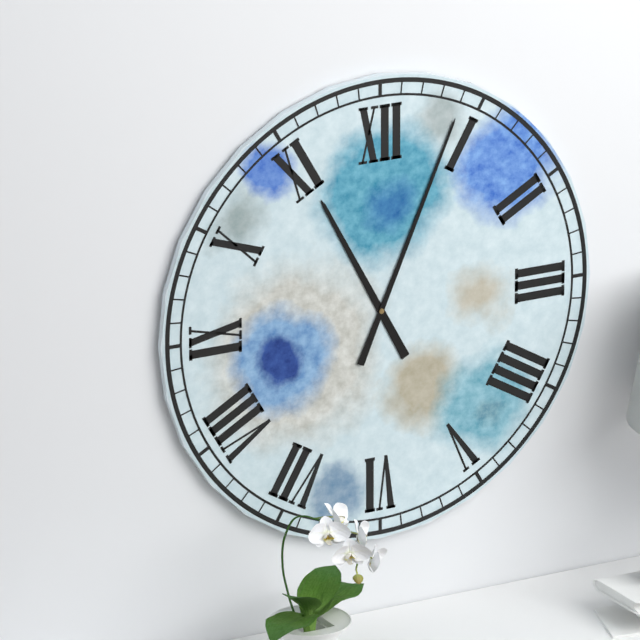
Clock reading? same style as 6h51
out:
11h04
